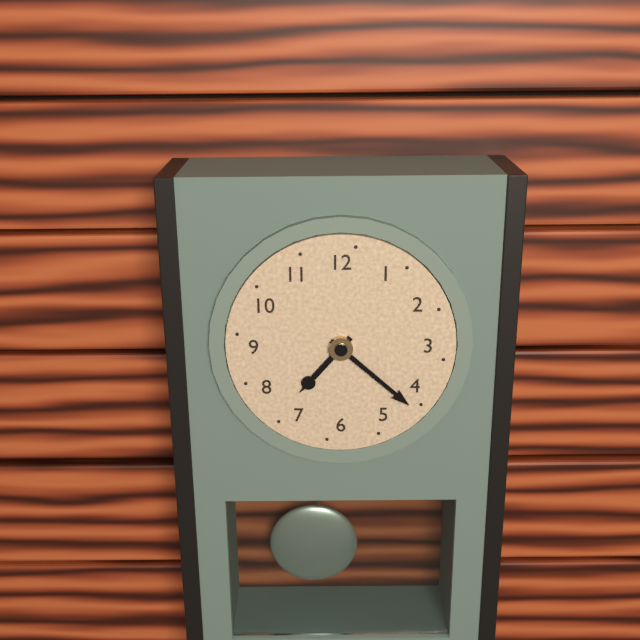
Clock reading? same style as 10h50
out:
7h22
